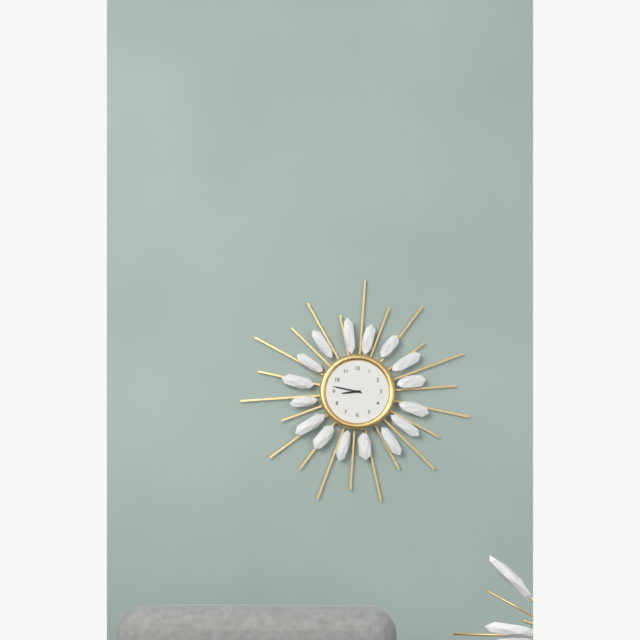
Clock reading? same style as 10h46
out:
8h47
